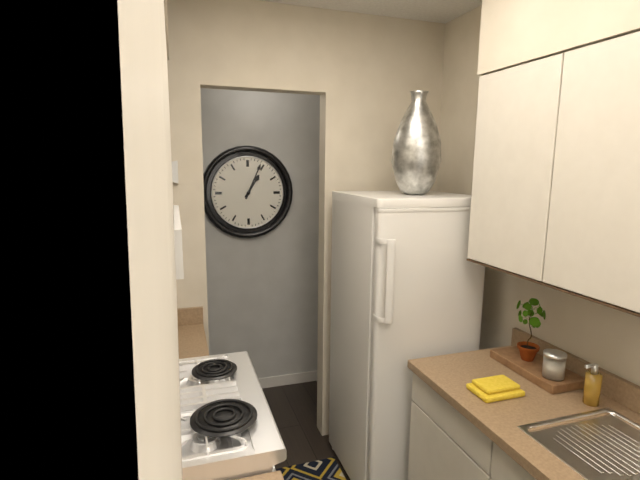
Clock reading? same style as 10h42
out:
1h04
